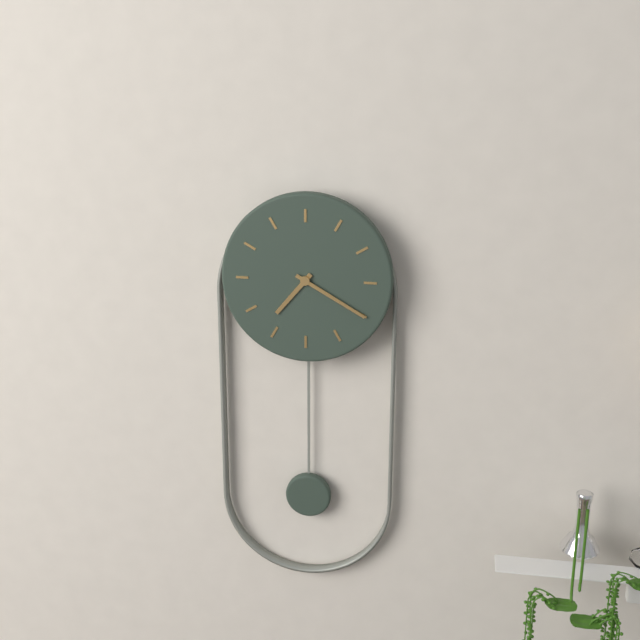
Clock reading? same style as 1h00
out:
7h20
